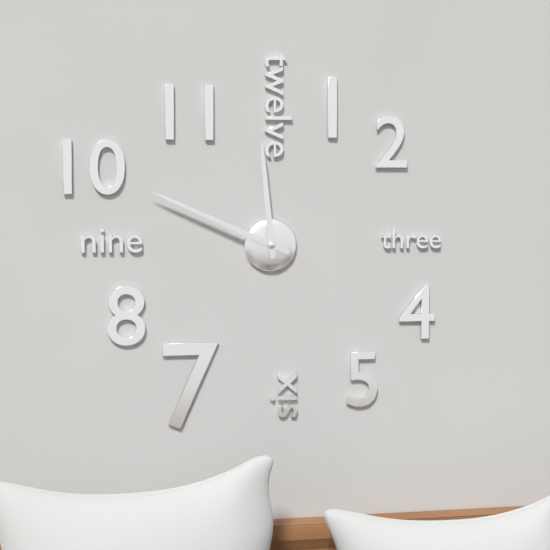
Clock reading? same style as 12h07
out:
11h49
